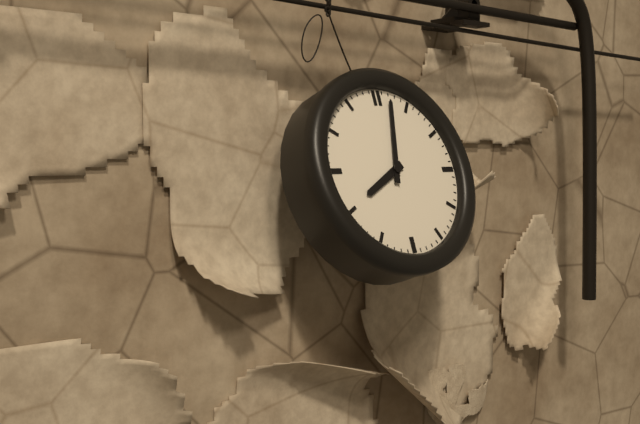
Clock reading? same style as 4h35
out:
8h02
